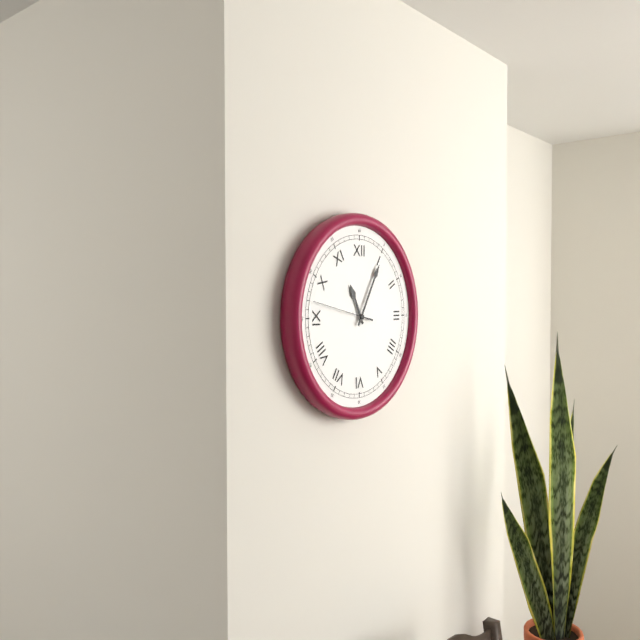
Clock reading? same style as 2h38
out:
11h05
